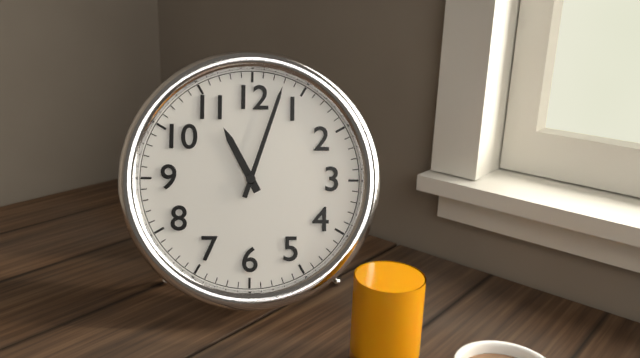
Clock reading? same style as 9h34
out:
11h03
